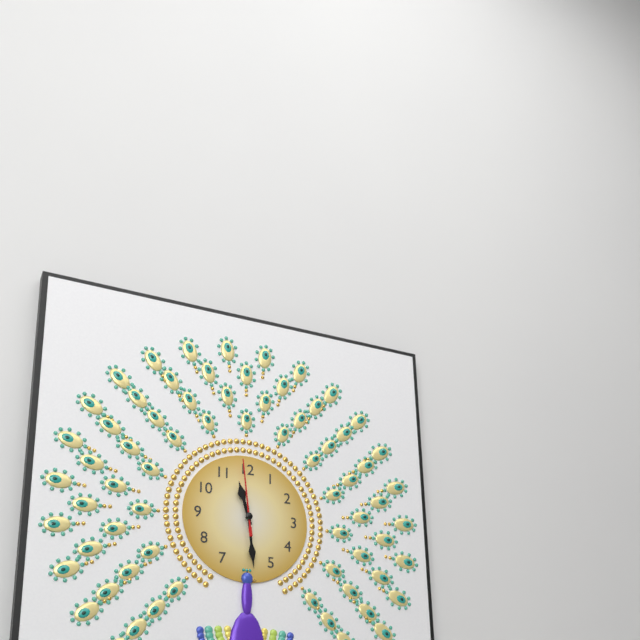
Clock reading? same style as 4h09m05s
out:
11h29m59s
